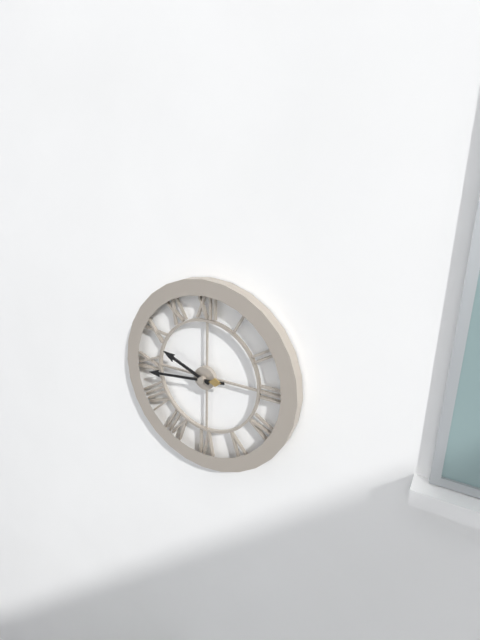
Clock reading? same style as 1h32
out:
9h44
